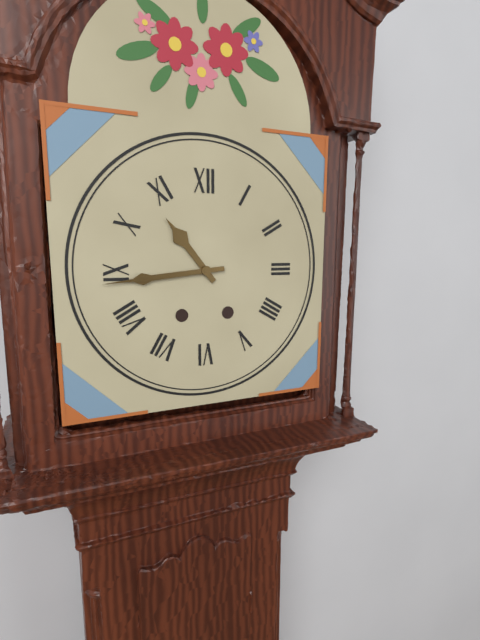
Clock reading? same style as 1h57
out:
10h44
